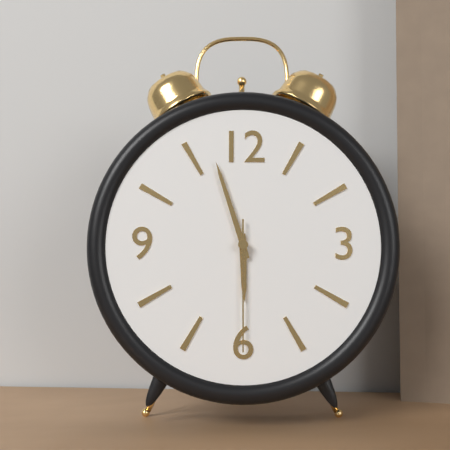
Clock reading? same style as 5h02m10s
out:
5h57m30s
